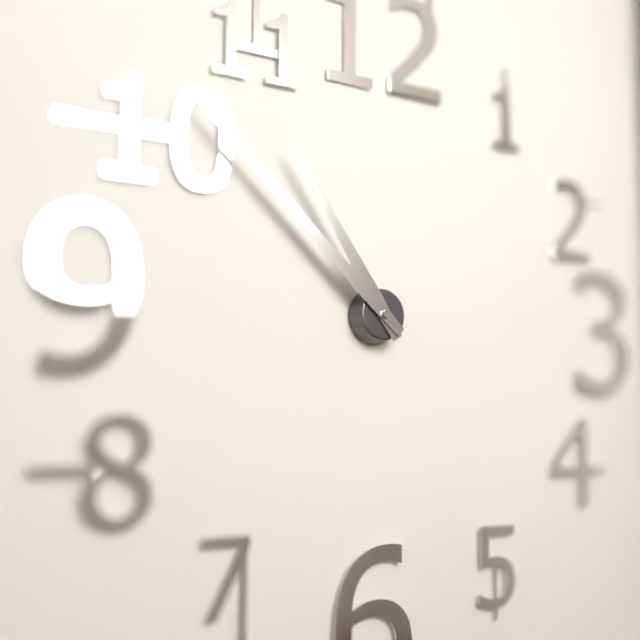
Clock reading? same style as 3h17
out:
10h52
